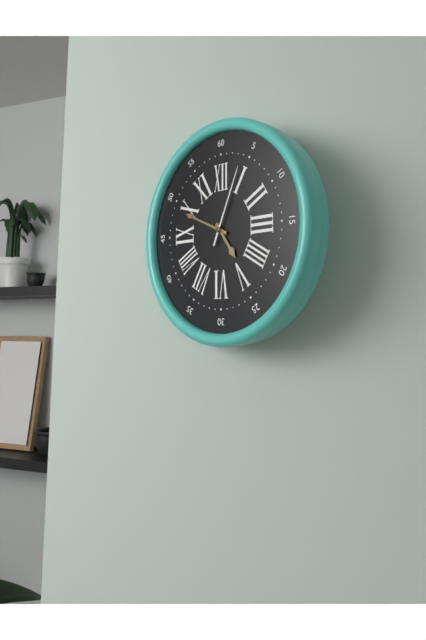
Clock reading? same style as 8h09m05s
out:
4h49m04s
